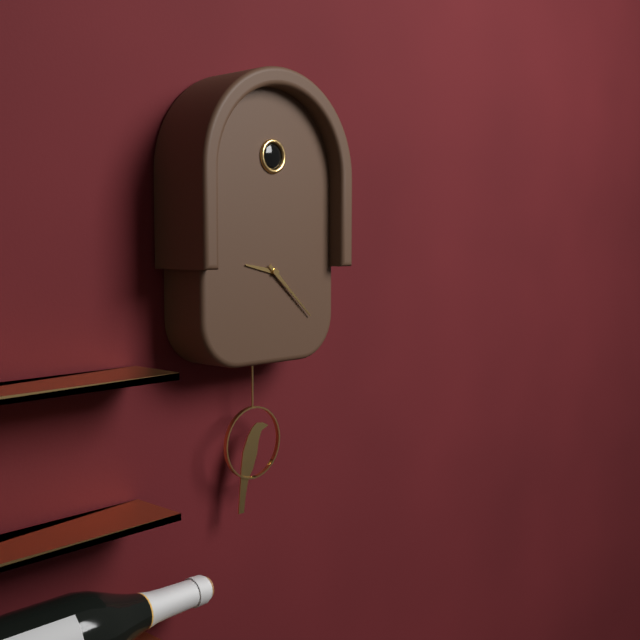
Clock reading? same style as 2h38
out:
9h22
